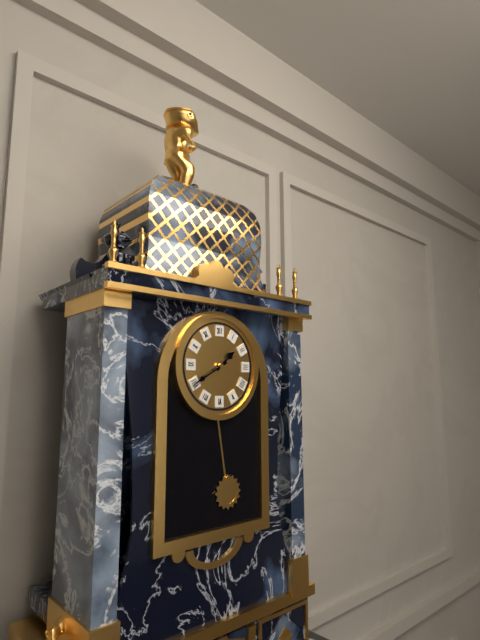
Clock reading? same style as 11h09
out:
1h40
